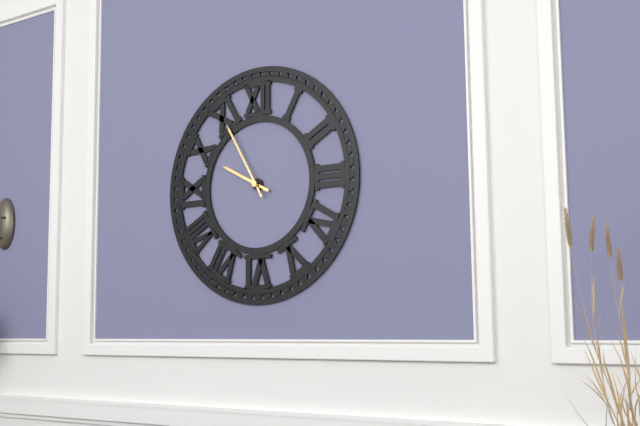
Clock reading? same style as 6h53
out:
9h55
